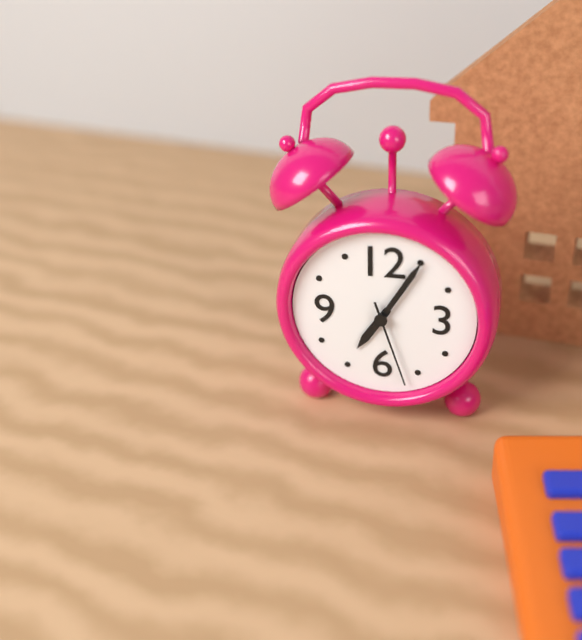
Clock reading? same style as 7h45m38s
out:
7h05m27s
